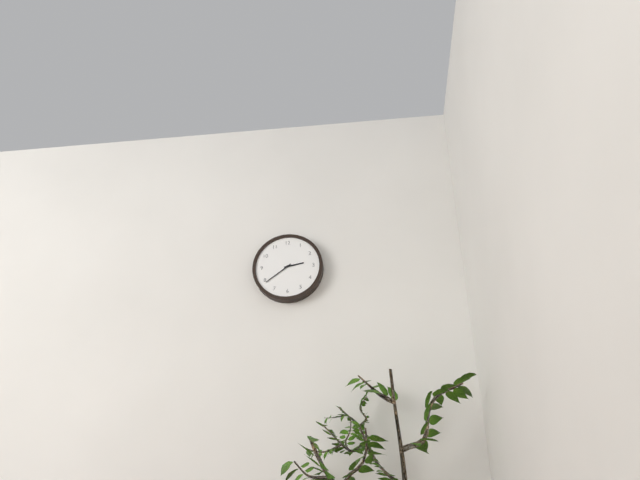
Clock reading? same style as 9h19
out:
2h39
